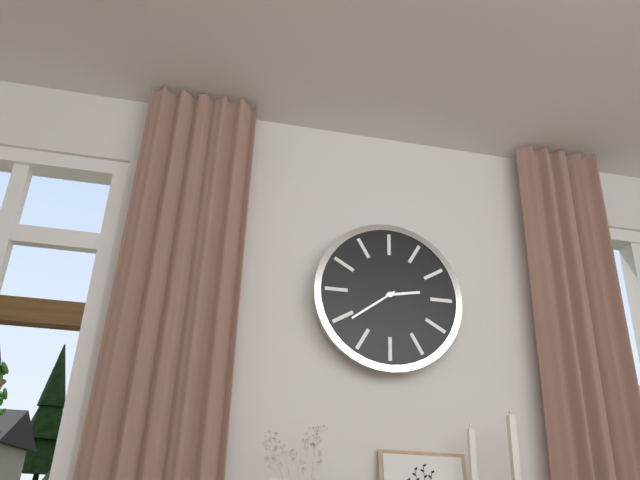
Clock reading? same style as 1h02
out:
2h39
